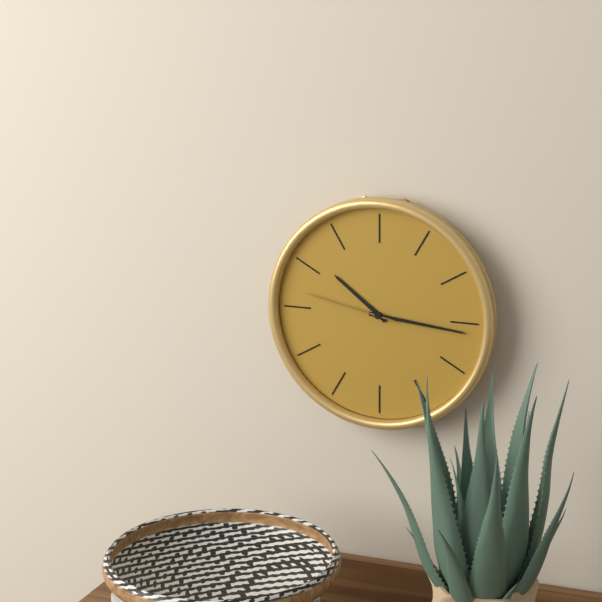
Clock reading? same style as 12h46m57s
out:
10h16m47s
